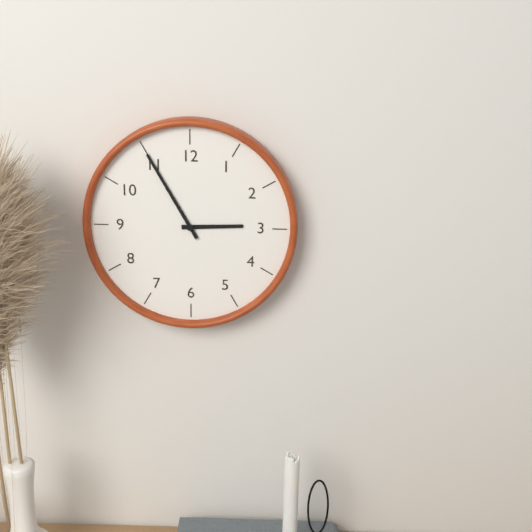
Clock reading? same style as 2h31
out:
2h55
